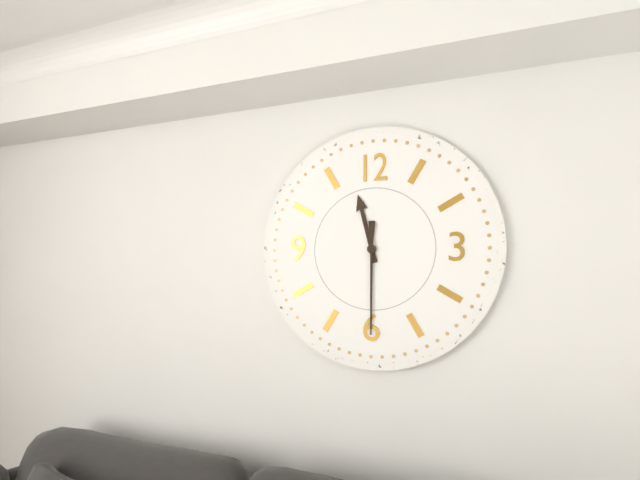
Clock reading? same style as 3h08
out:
11h30
